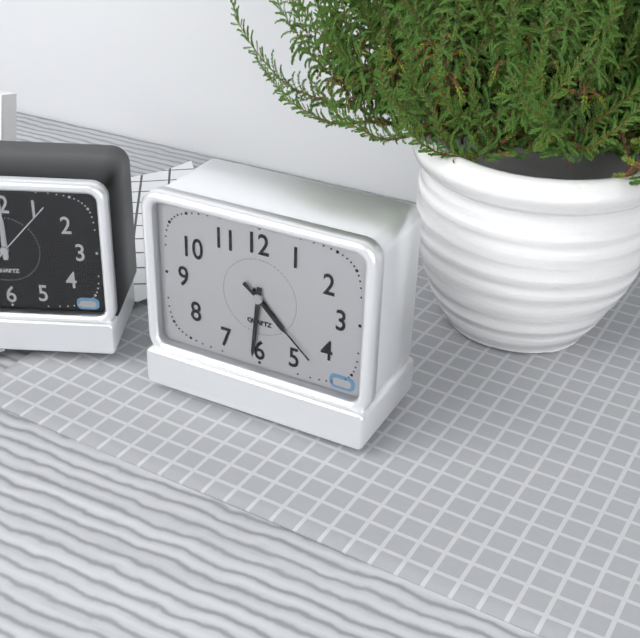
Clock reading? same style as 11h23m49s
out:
4h31m22s
